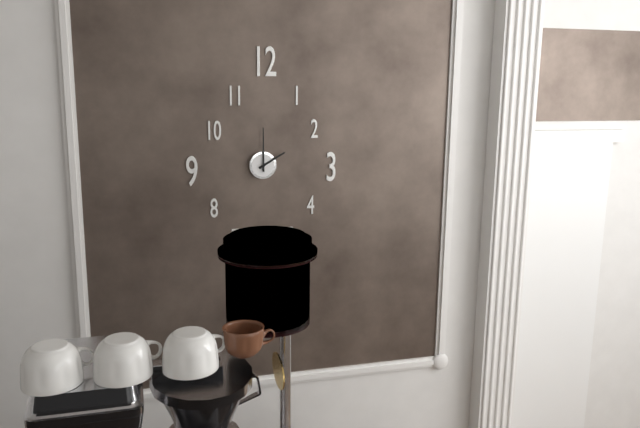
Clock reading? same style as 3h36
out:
2h00
